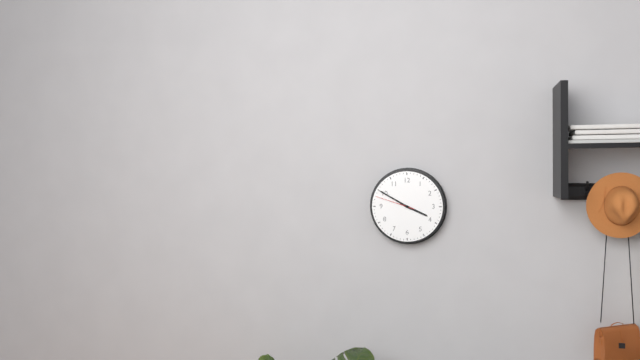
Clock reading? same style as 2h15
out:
3h50
